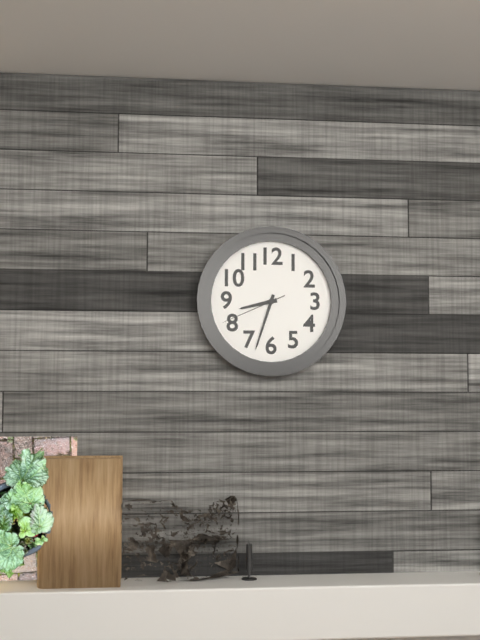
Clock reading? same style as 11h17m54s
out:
8h33m41s
